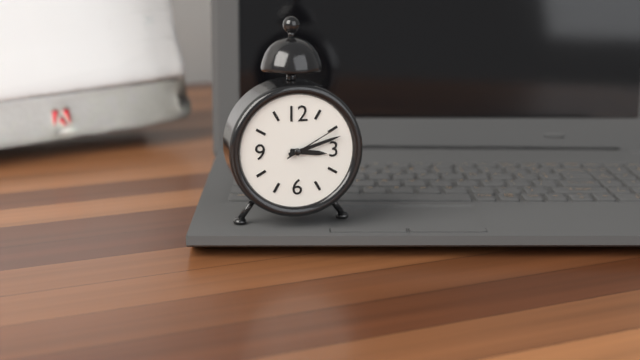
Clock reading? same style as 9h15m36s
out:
3h12m10s
